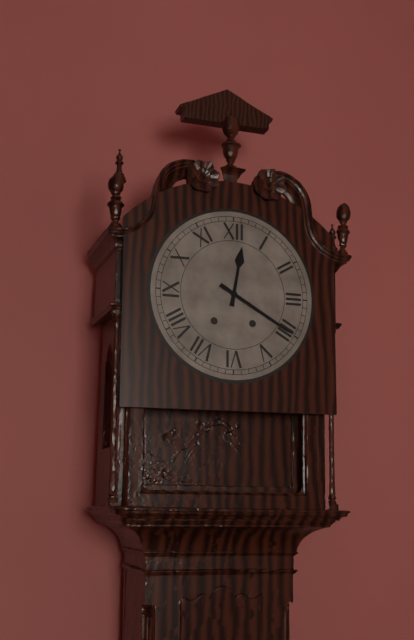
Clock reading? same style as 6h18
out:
12h20
